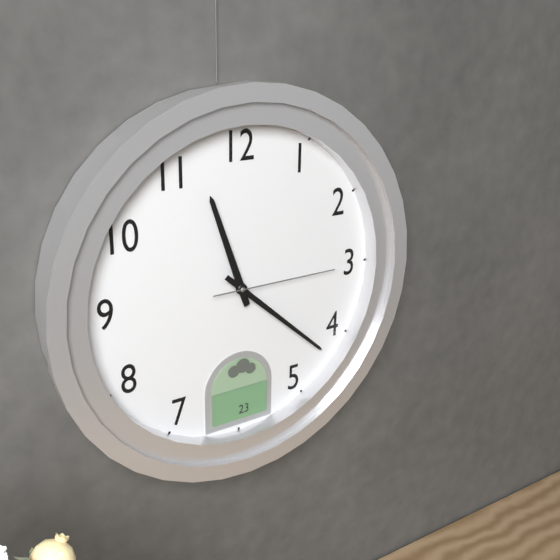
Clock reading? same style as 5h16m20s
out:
11h22m15s
